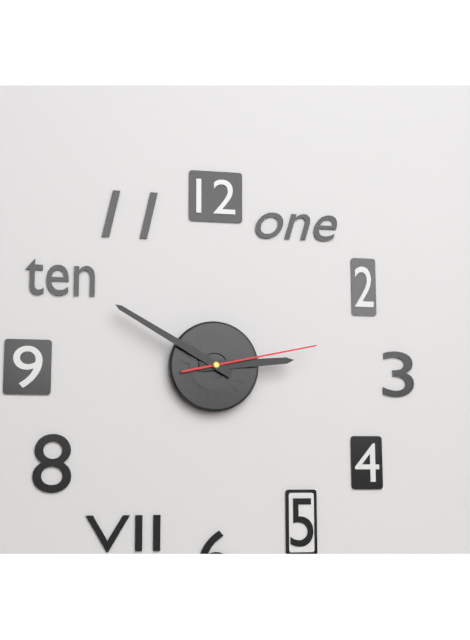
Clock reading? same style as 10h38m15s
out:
2h50m13s
